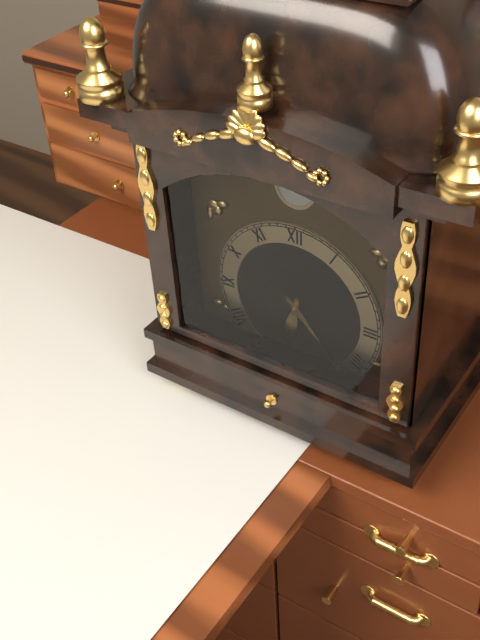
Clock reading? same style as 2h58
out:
6h23
